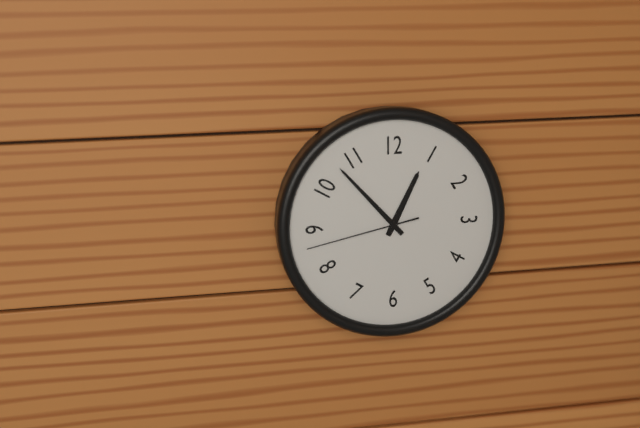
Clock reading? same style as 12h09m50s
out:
12h53m43s
